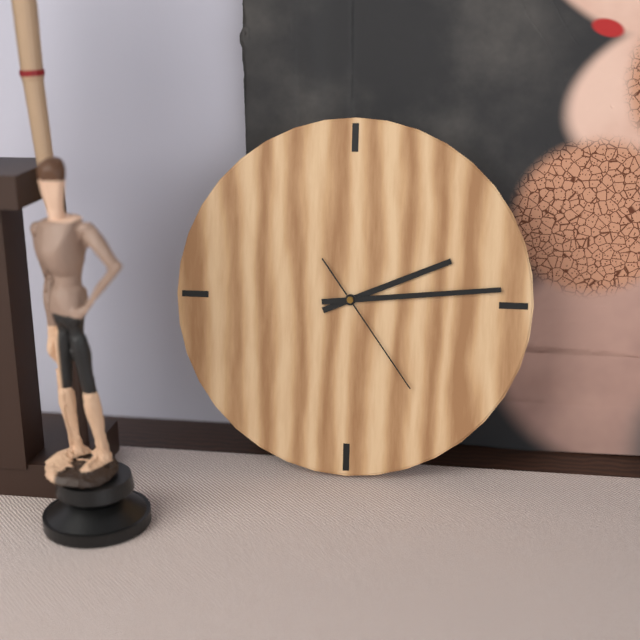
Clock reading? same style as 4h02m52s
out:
2h14m24s
